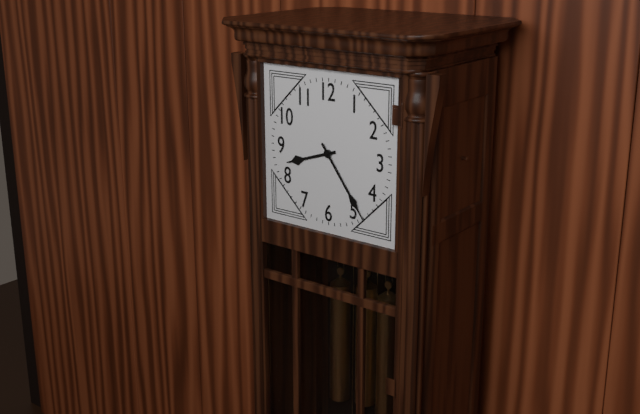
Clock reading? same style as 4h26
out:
8h24
